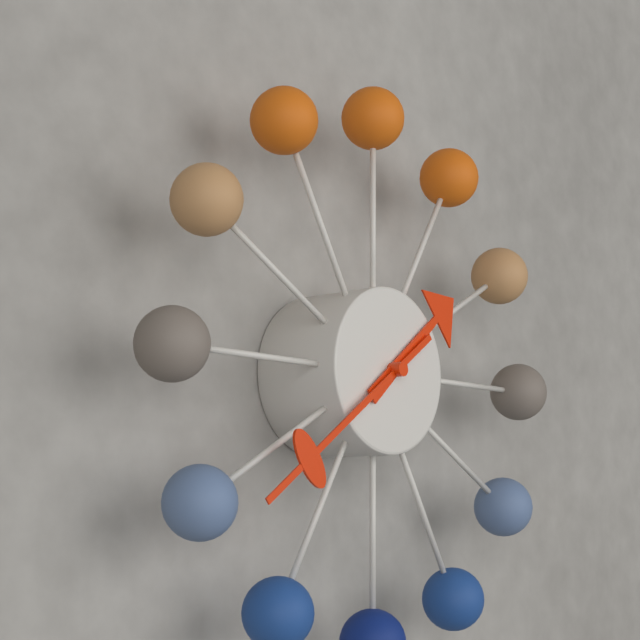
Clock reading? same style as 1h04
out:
1h39
